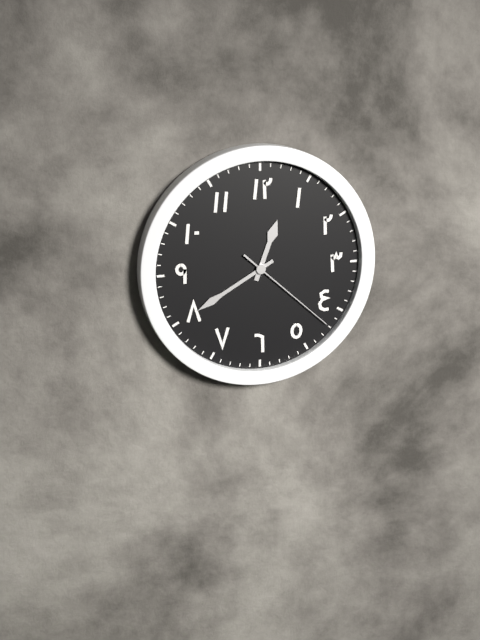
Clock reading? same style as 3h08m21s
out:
12h40m22s
